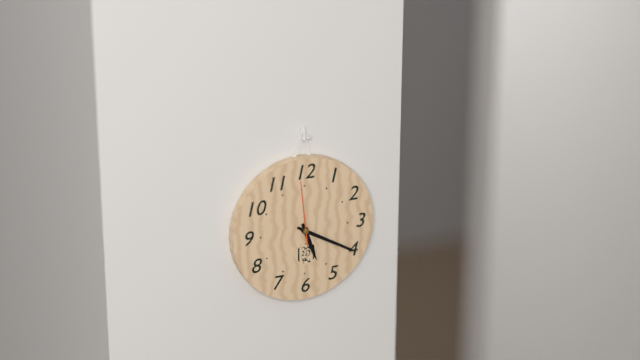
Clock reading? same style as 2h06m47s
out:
5h20m59s
